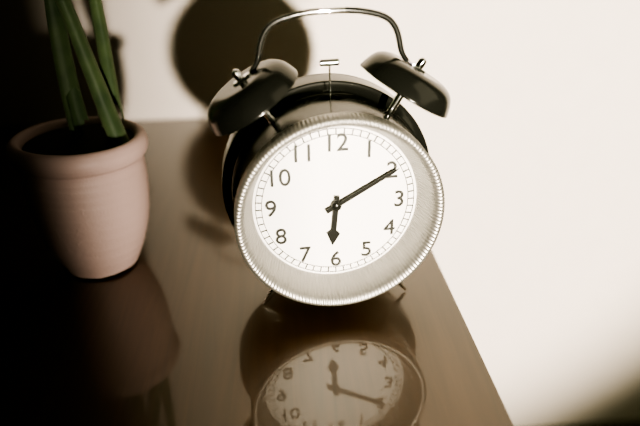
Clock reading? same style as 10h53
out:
6h10
